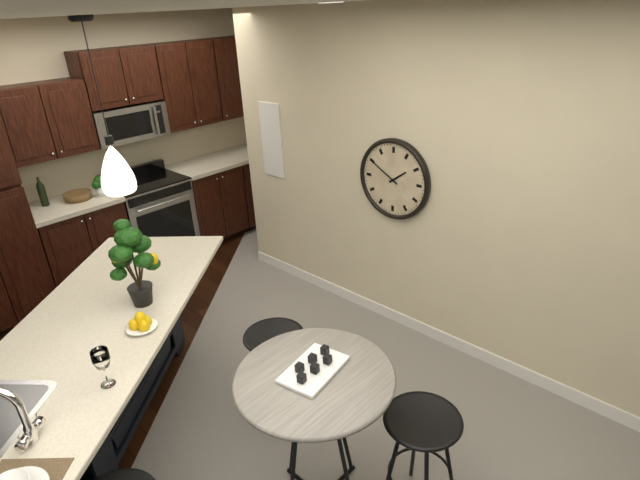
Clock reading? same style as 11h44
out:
1h50
